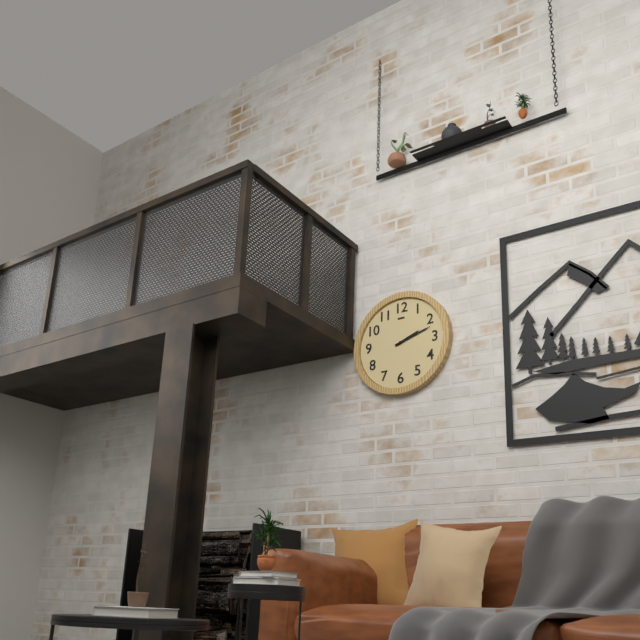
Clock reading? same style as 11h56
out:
2h12
